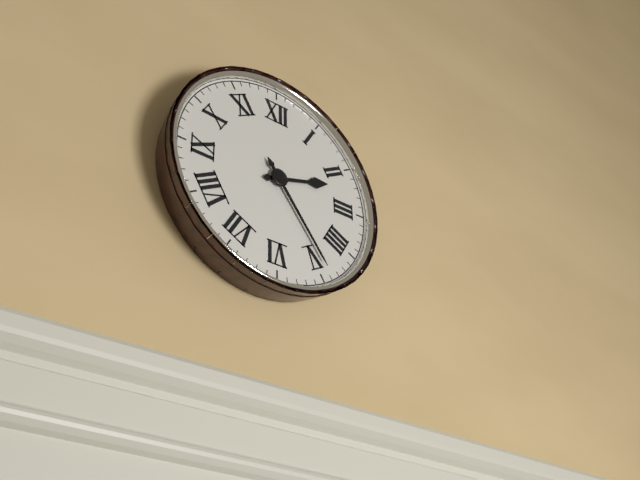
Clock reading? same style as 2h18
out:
2h24
